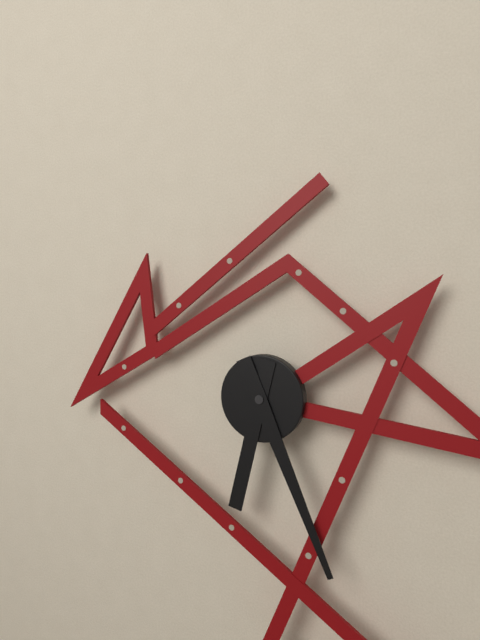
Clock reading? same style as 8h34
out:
6h26
